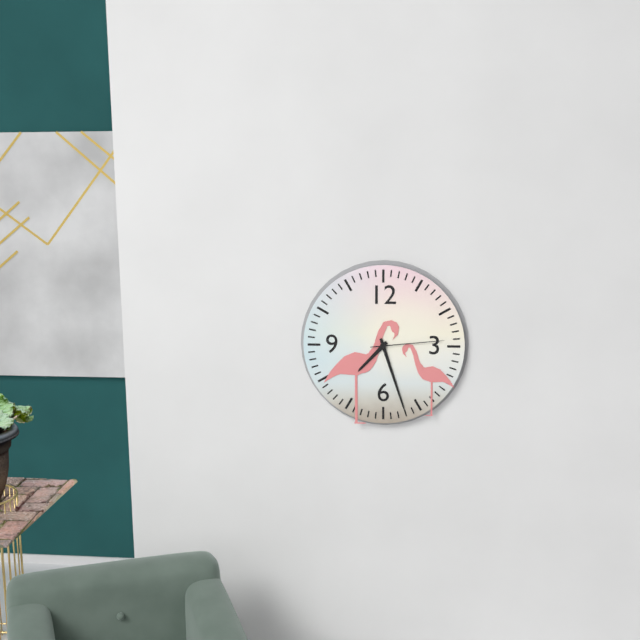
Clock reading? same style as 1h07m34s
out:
7h27m14s
